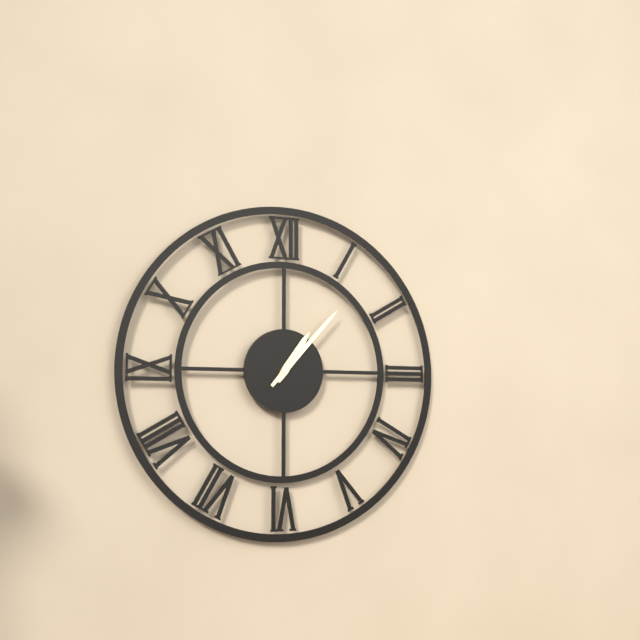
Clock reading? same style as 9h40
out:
1h07
